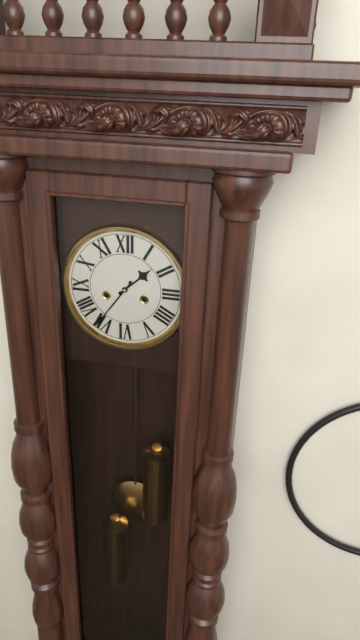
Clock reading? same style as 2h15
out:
1h36
